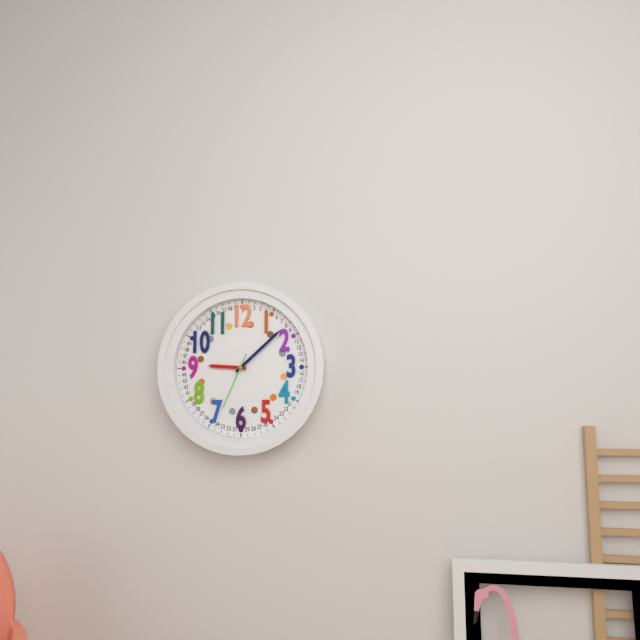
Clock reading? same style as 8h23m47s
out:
9h08m34s
